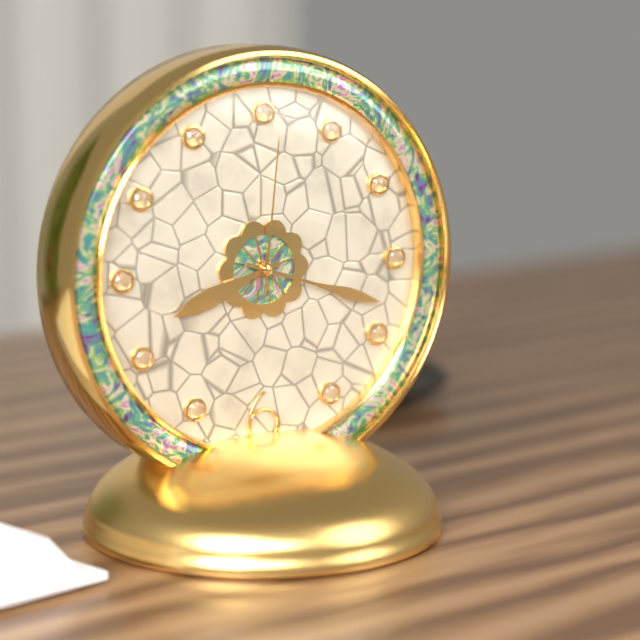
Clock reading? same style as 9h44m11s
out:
8h18m01s
